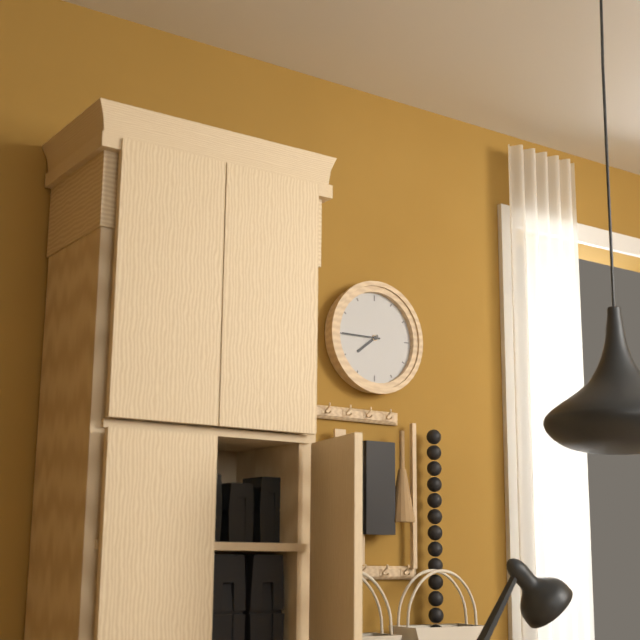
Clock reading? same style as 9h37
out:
7h45
